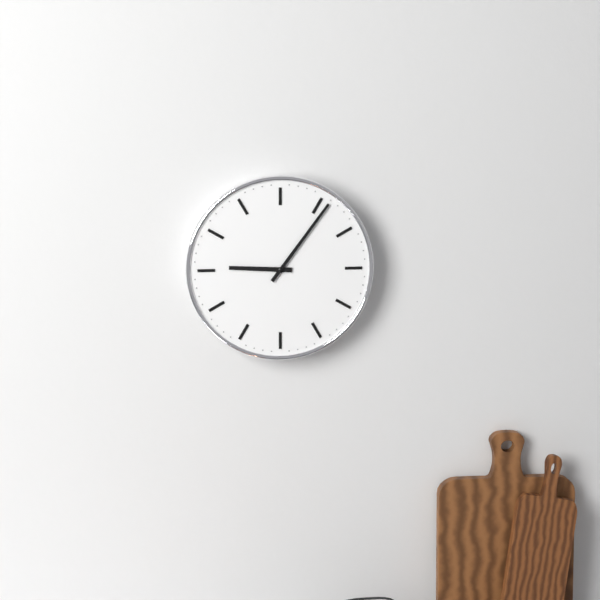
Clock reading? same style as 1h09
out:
9h06
